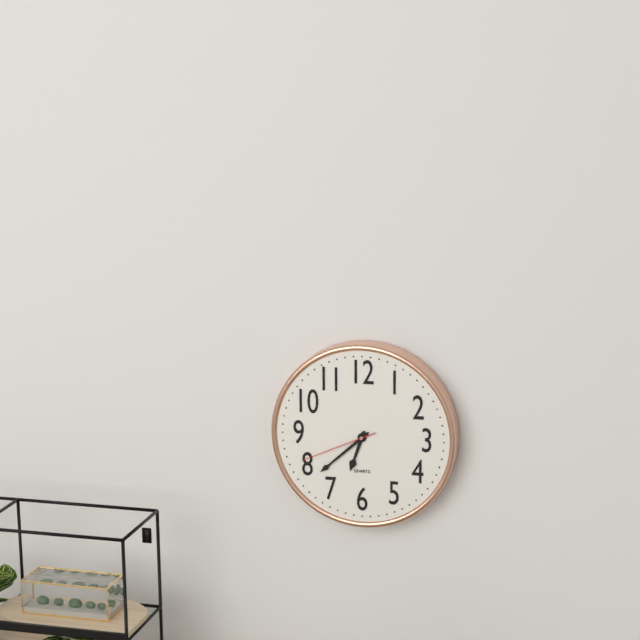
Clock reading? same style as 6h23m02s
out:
6h38m41s
